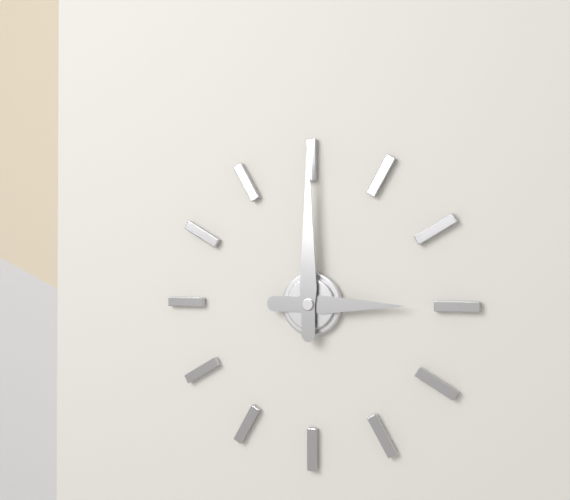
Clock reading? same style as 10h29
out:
3h00
